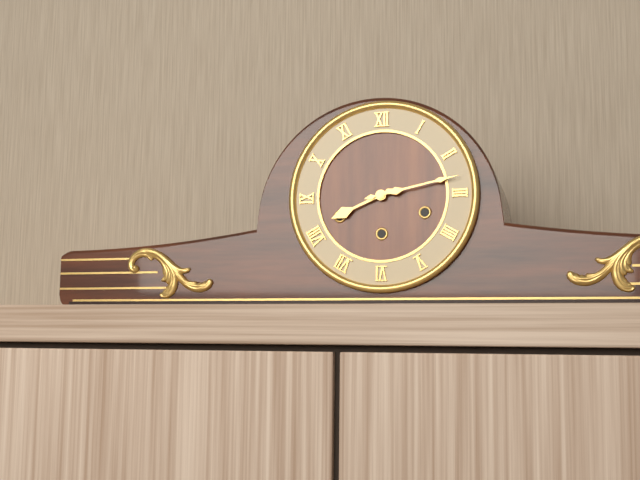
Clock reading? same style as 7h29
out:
8h13
